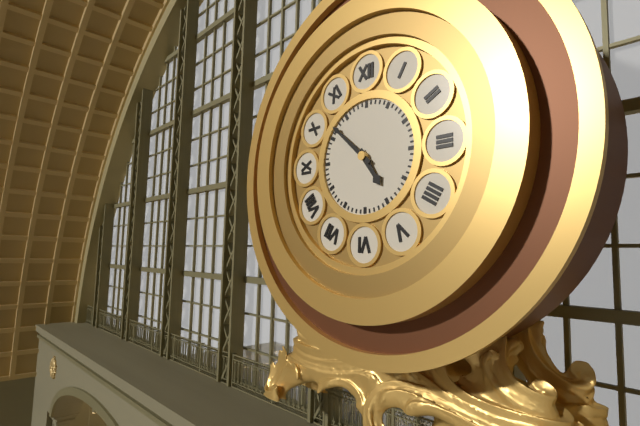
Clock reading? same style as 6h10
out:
4h52
